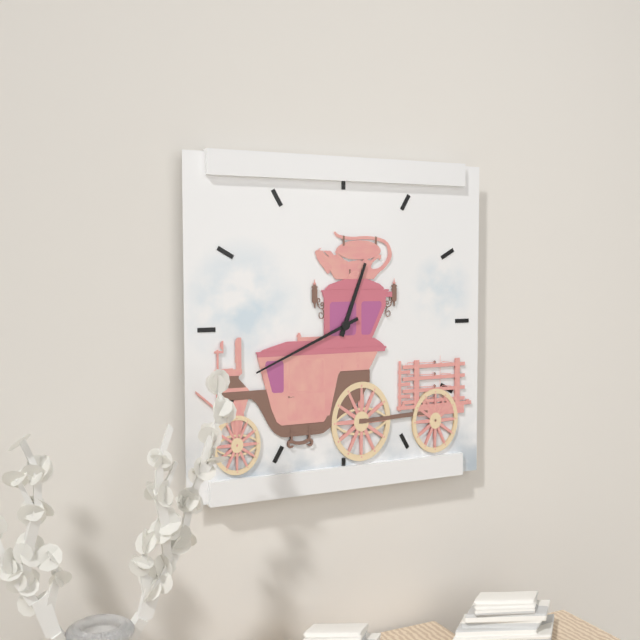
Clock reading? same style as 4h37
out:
12h41
